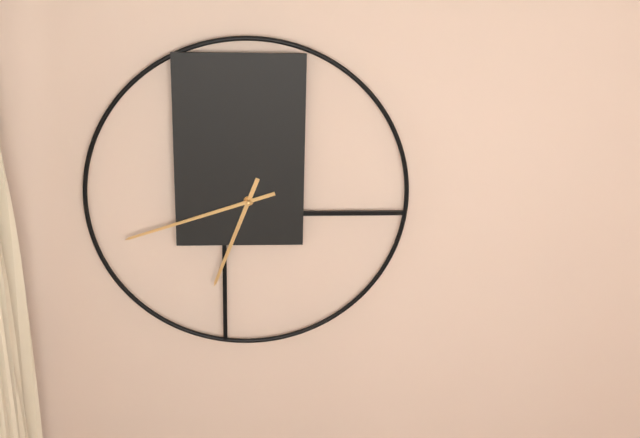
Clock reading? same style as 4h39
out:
6h42
